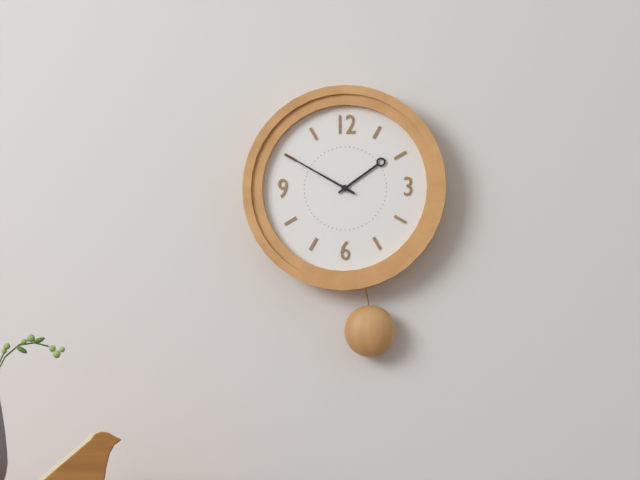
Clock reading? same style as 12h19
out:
1h50
